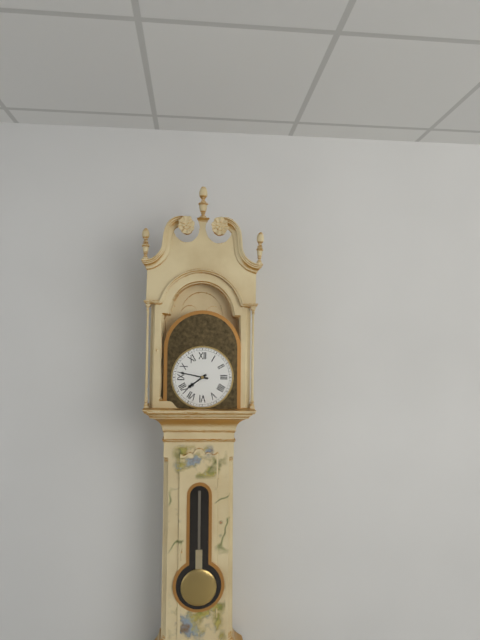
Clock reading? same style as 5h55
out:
7h47
